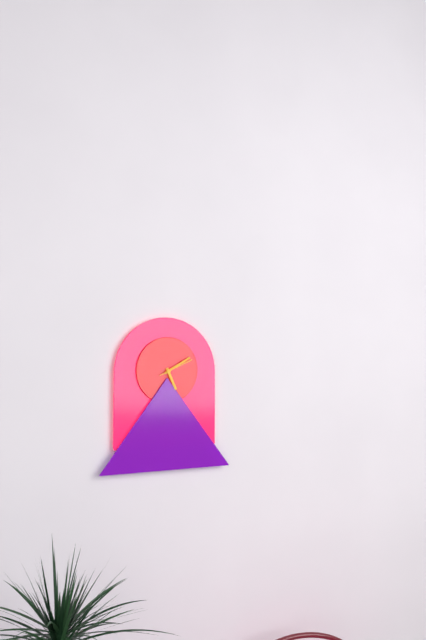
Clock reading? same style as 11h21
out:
5h10
